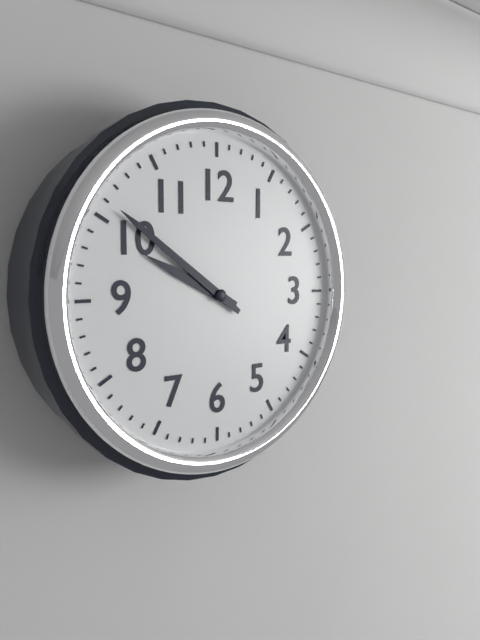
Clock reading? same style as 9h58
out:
9h51
